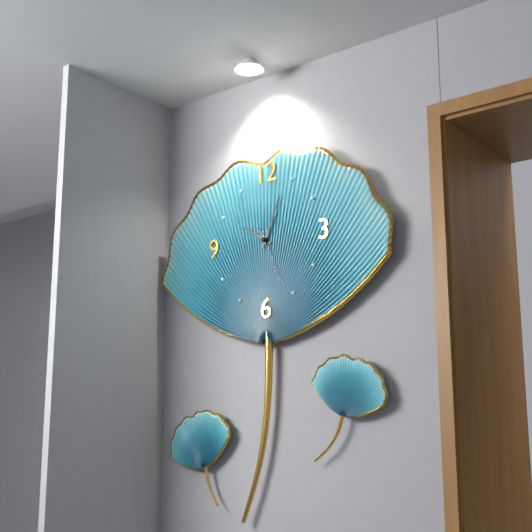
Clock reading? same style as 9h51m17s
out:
10h04m26s
